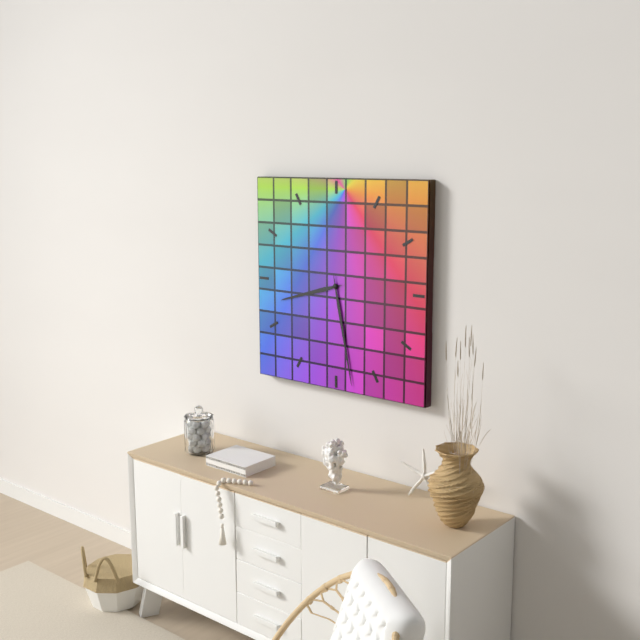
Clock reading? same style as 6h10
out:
8h28
